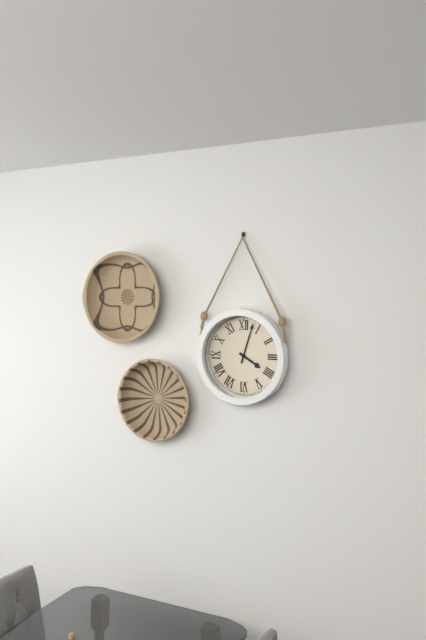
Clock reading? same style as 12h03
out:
4h03
